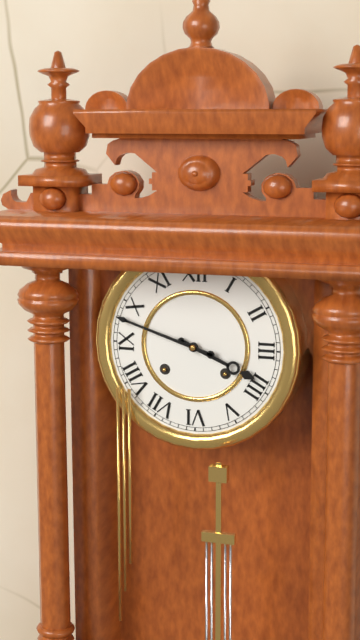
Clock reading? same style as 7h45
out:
3h48
